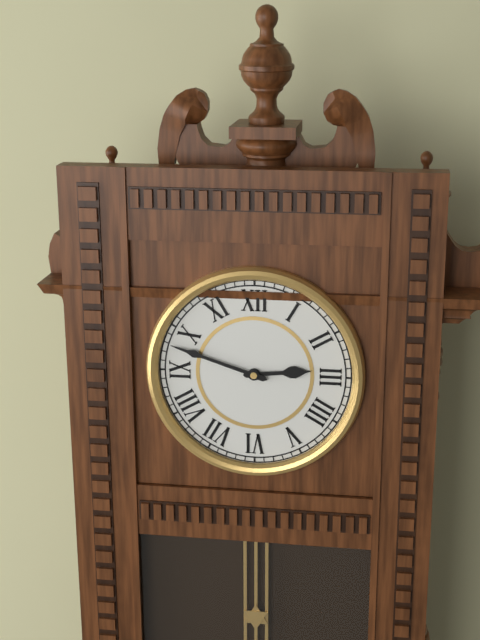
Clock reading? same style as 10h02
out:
2h48
